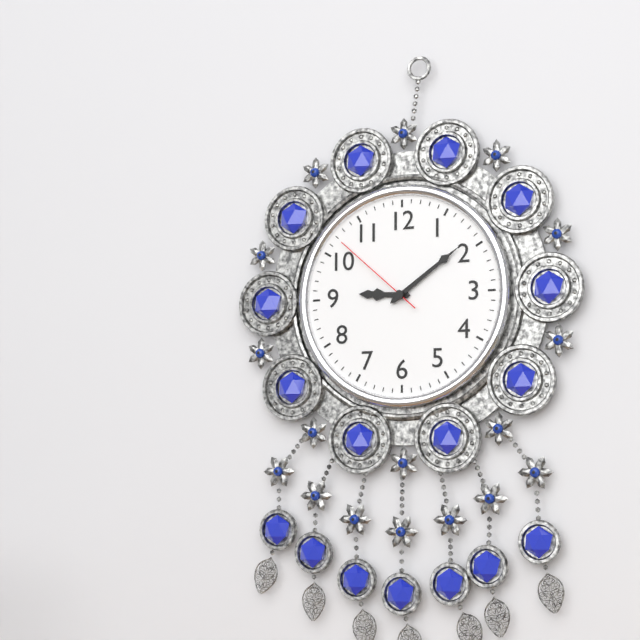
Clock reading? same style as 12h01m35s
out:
9h09m52s
